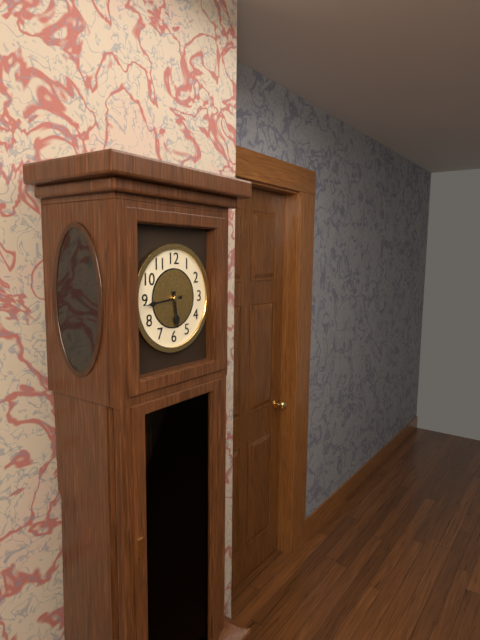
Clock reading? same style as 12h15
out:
5h44
